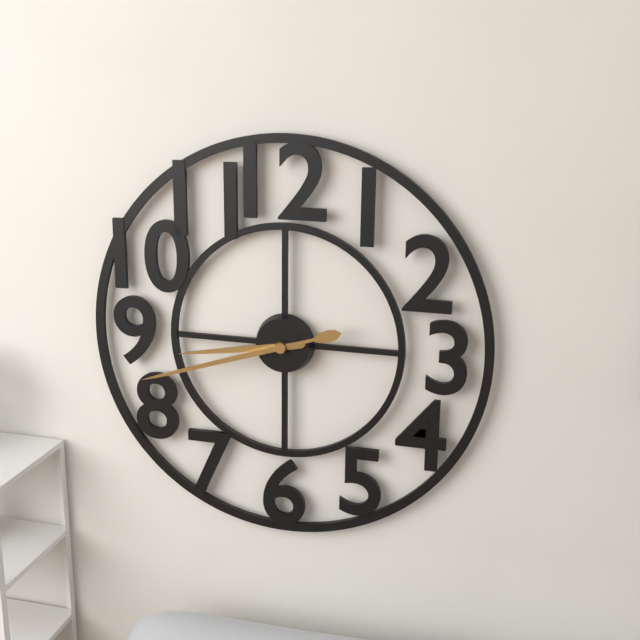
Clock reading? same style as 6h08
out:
8h42
